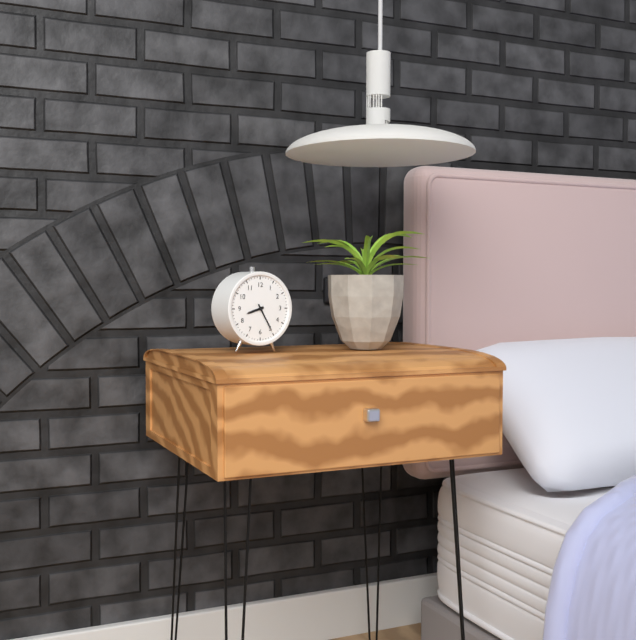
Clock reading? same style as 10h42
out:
8h25
